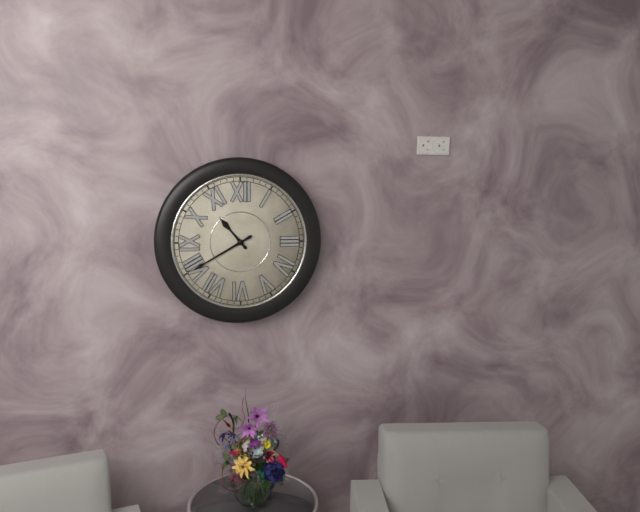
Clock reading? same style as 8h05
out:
10h40
